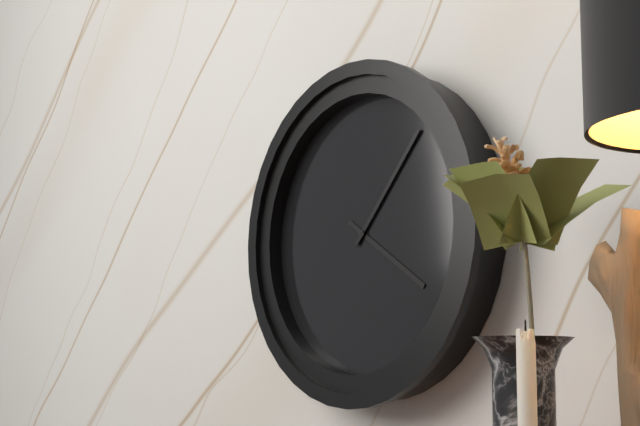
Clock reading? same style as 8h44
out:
4h07
